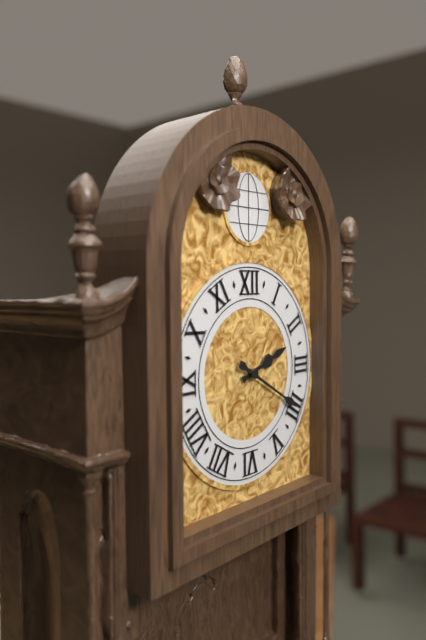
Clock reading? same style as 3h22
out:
2h20
